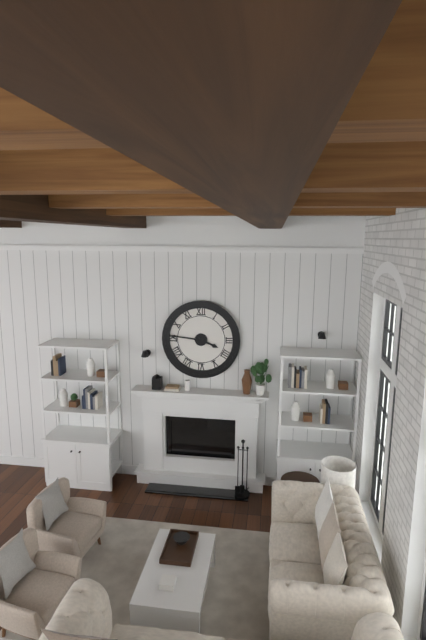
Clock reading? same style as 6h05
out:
3h46
